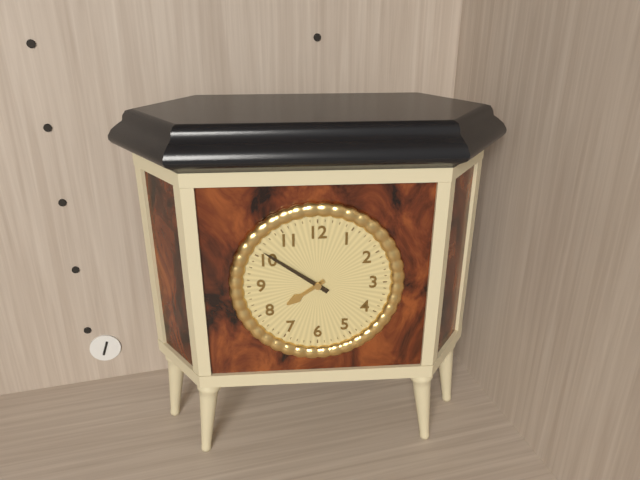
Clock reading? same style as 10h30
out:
7h51
